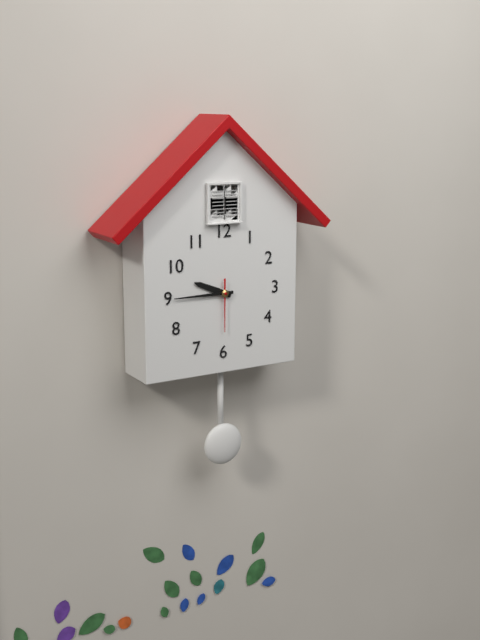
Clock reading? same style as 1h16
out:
9h45
